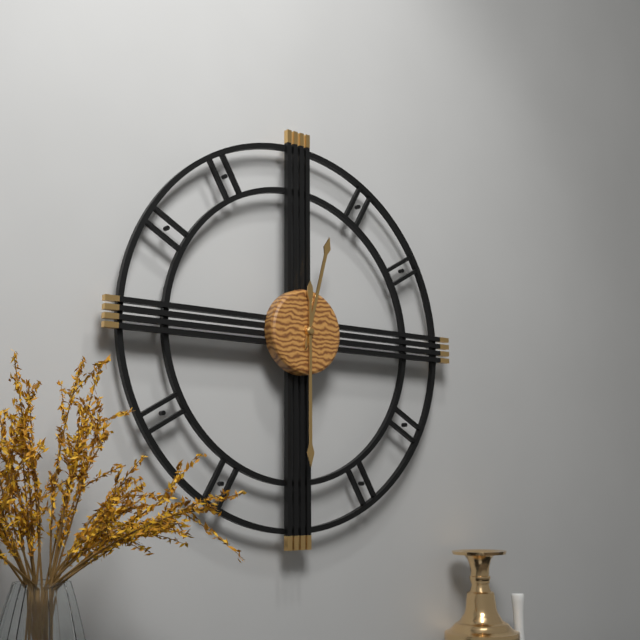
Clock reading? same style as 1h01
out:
12h30
